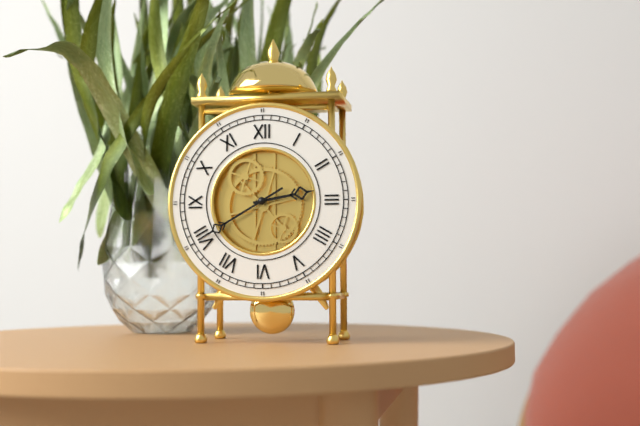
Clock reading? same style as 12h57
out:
2h40
